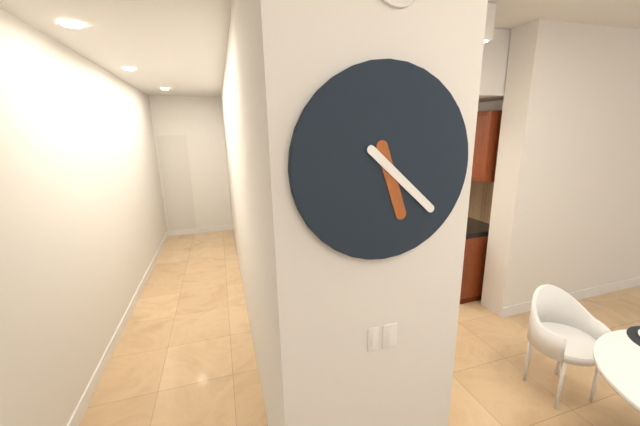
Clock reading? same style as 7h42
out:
5h22
